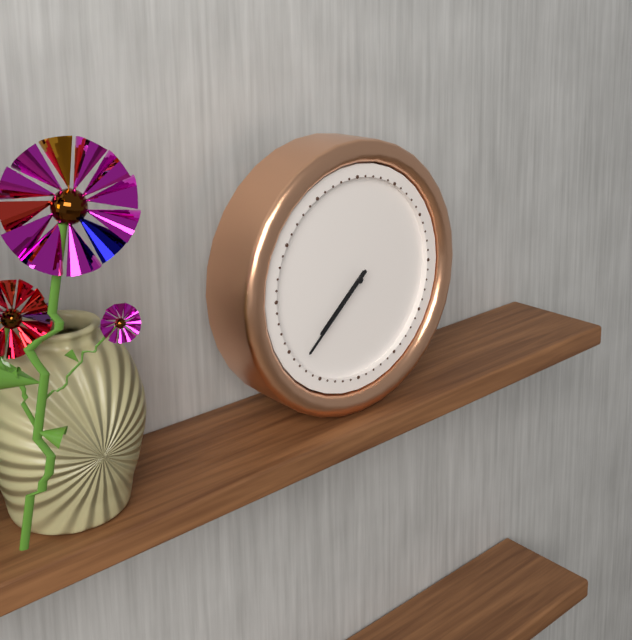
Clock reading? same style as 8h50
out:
7h38
